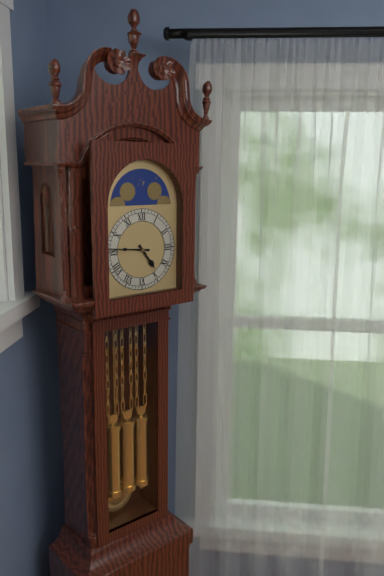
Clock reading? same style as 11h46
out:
4h46
